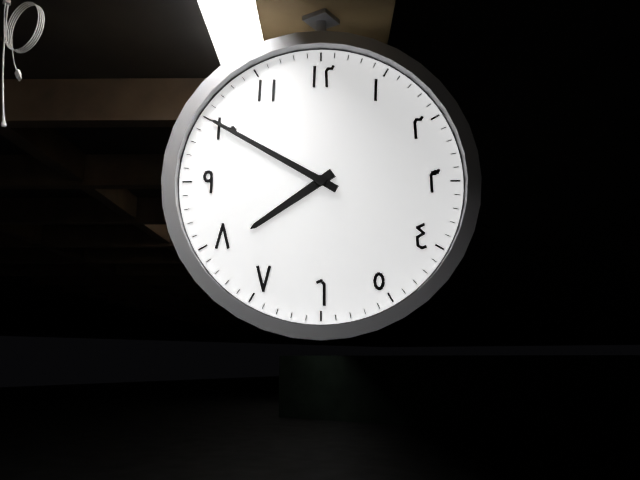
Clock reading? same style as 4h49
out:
7h50
